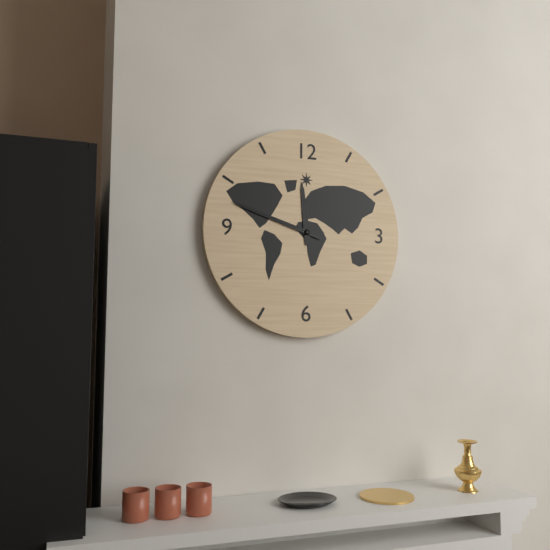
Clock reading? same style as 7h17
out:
11h48
